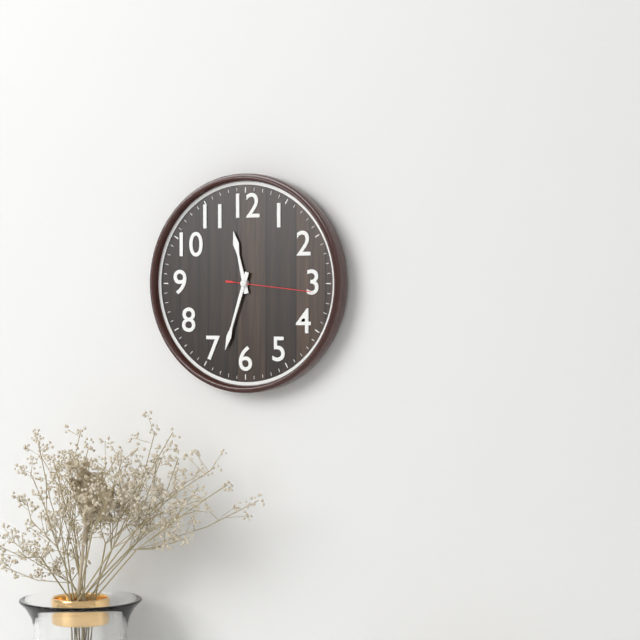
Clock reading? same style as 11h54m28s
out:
11h33m16s
